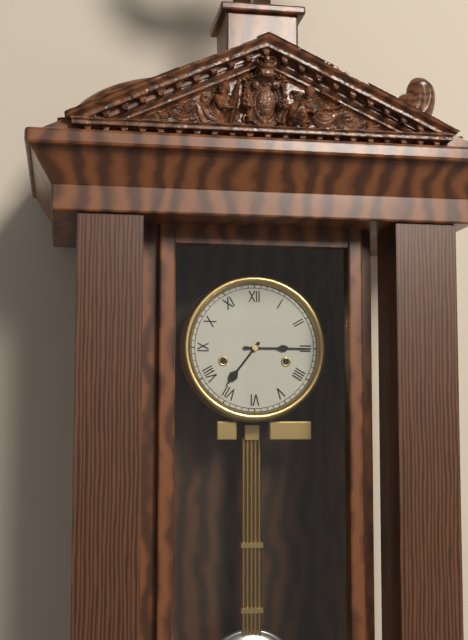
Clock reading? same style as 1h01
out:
7h15
